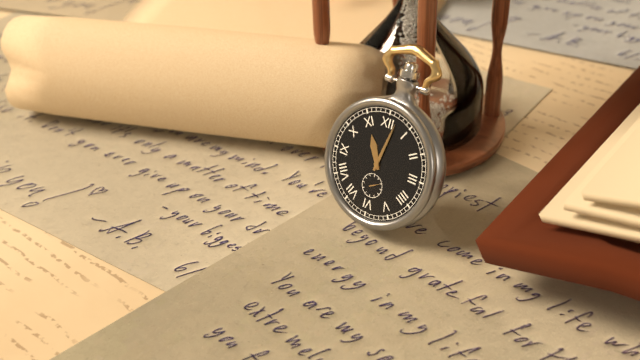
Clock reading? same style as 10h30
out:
11h02
